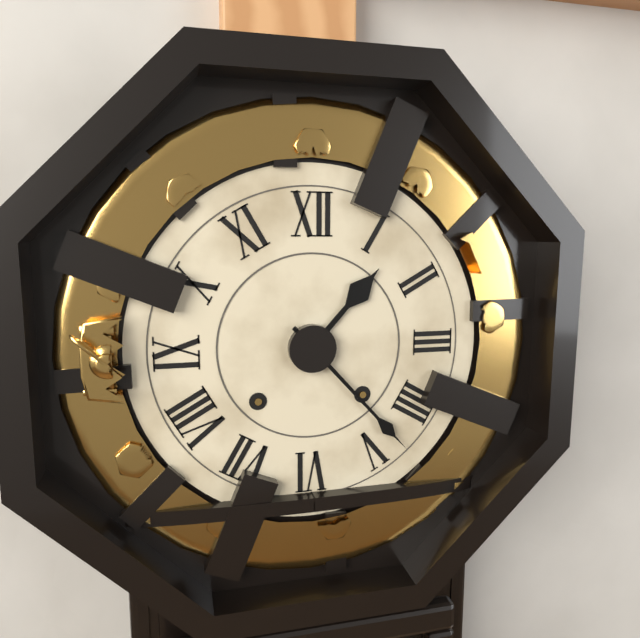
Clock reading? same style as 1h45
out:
1h23
